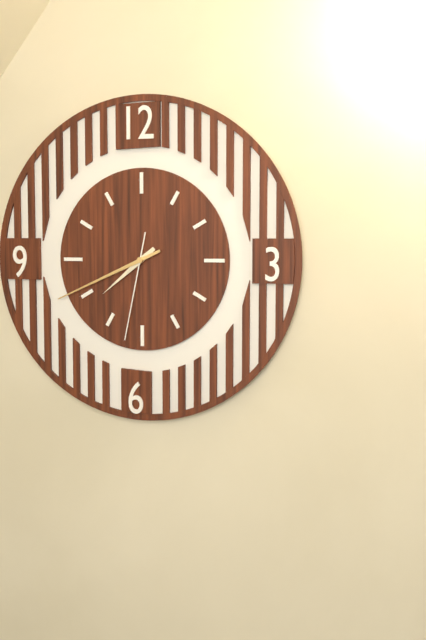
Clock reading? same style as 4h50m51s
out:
7h41m32s
